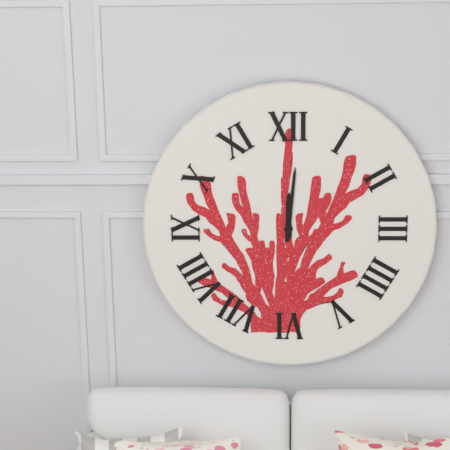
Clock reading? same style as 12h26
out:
12h01
